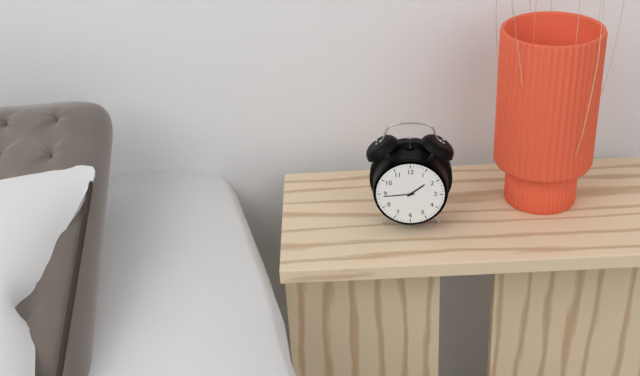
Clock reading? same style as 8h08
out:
1h44
